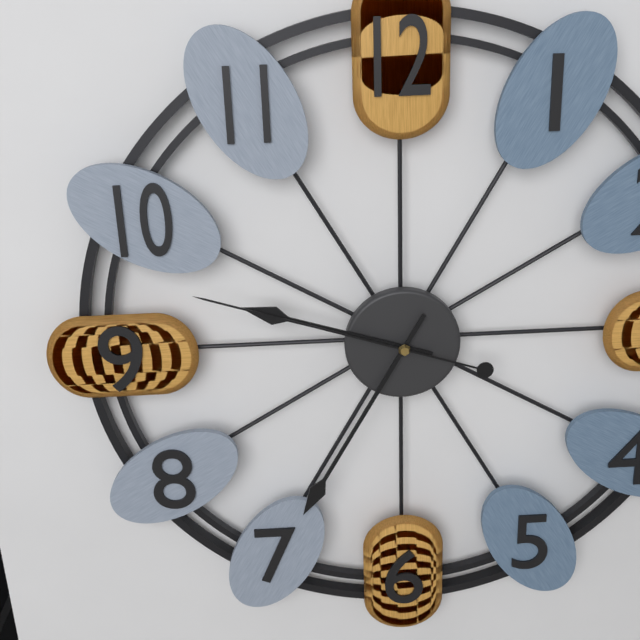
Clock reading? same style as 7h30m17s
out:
9h35m48s
